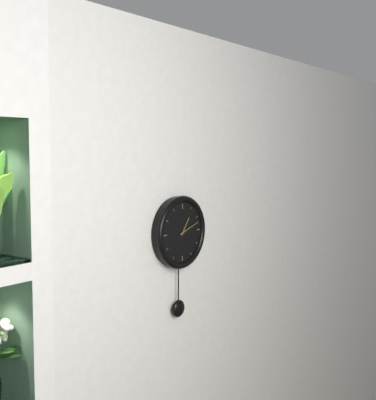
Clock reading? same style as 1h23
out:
1h12
